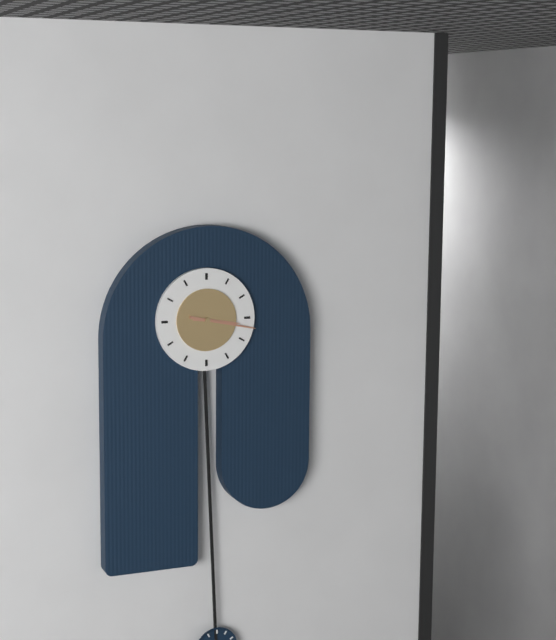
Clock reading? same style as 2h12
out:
3h17
